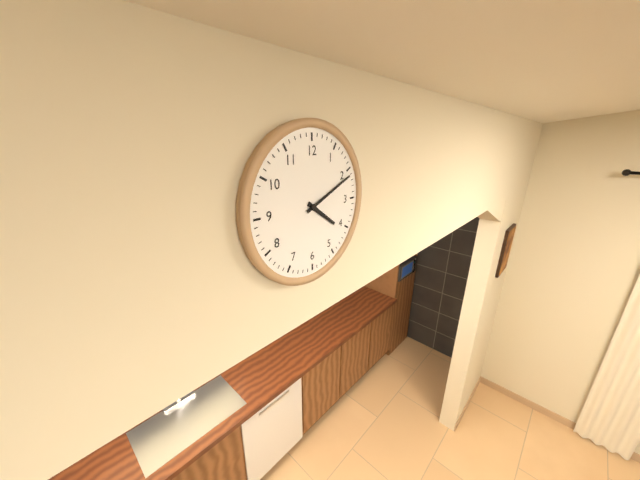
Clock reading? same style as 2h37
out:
4h11
